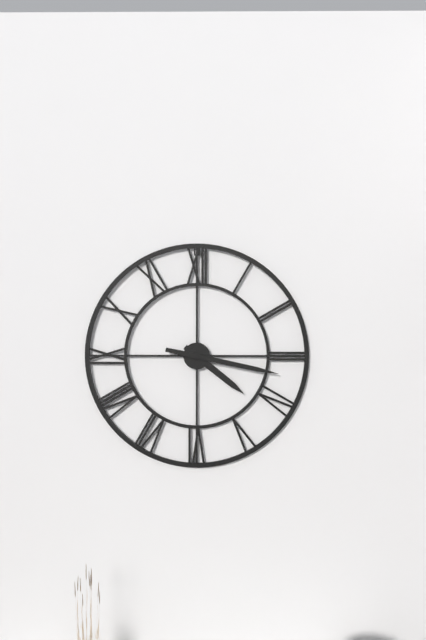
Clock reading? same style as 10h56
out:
4h17
